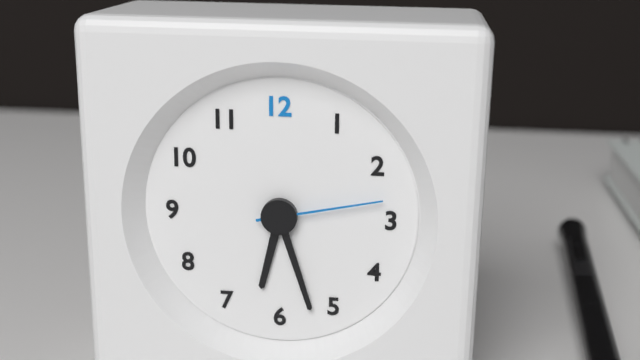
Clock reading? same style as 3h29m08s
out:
6h27m13s
